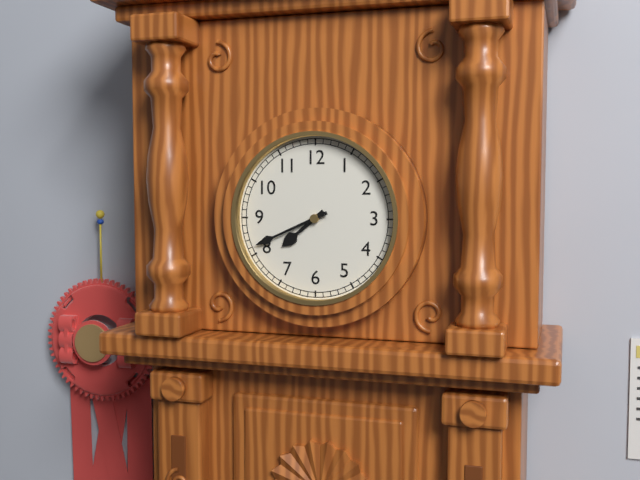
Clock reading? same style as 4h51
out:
7h41
